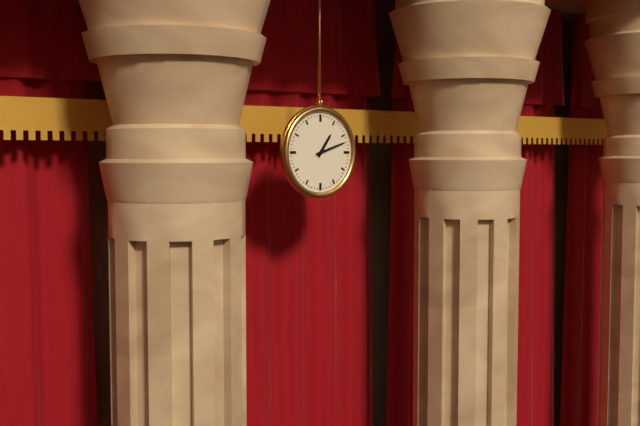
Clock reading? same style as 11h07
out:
1h12
